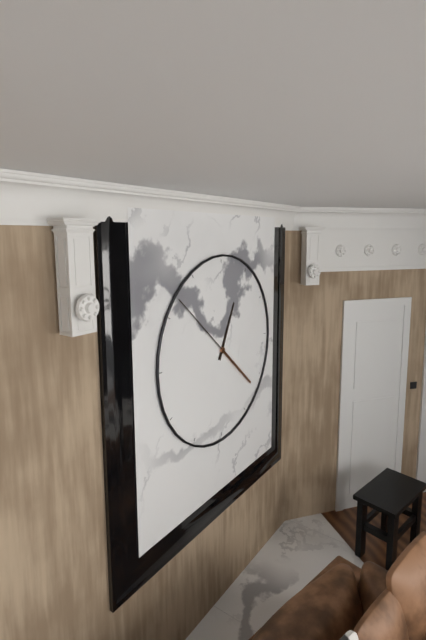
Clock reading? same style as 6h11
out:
12h52
